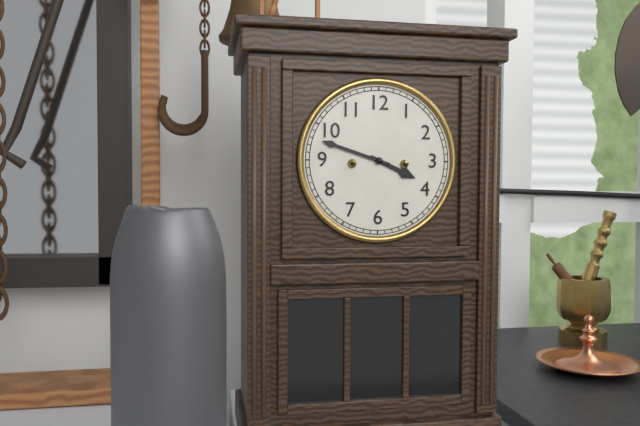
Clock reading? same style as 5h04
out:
3h48
